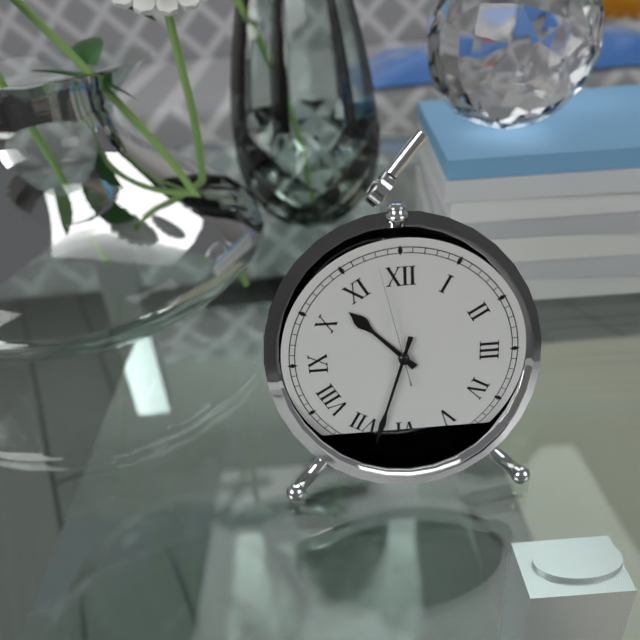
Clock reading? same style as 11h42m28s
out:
10h33m58s
